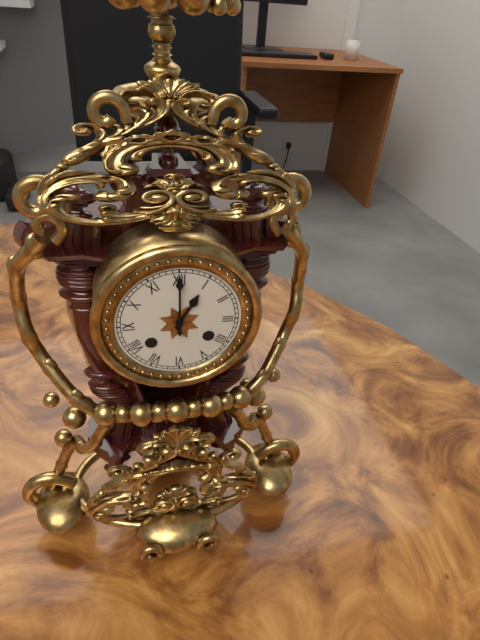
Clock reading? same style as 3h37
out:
1h00
